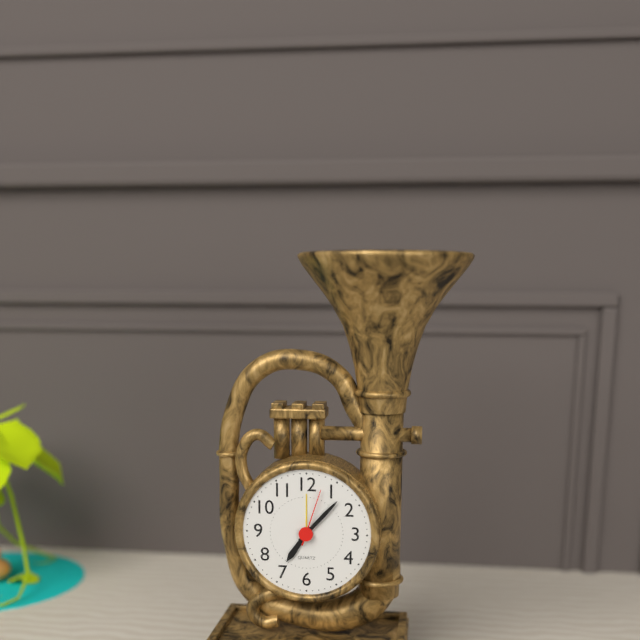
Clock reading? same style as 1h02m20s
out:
7h07m03s
